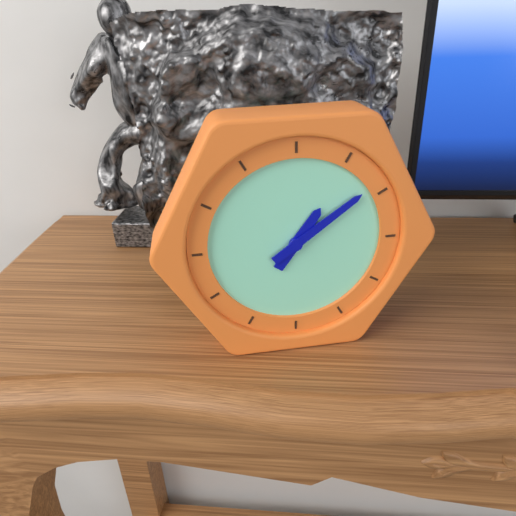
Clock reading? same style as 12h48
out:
1h09
